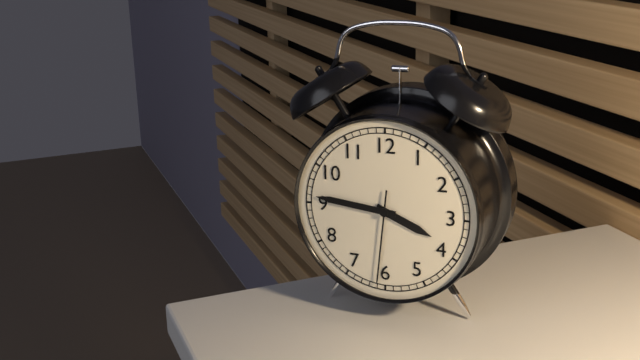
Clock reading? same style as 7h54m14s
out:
3h46m31s
